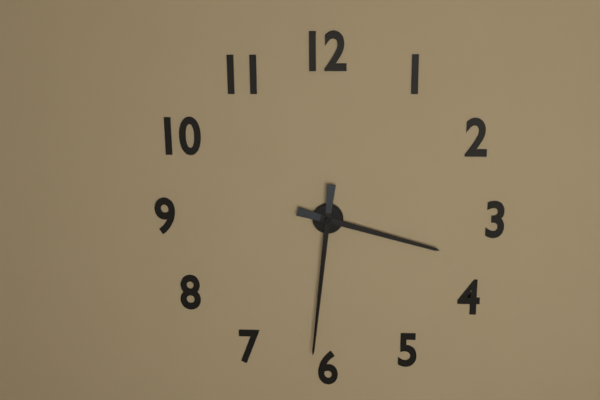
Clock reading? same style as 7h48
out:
3h31
